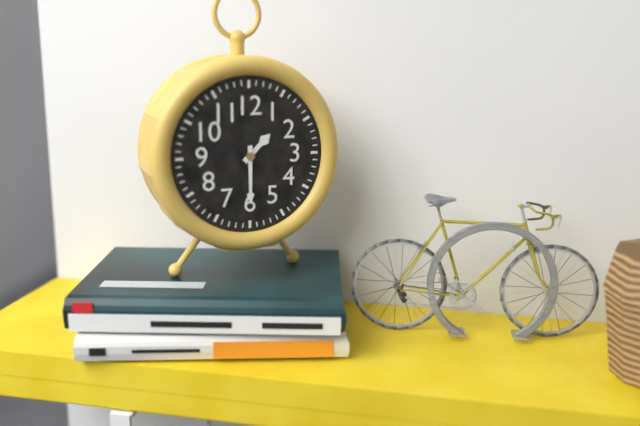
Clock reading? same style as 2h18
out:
1h30
